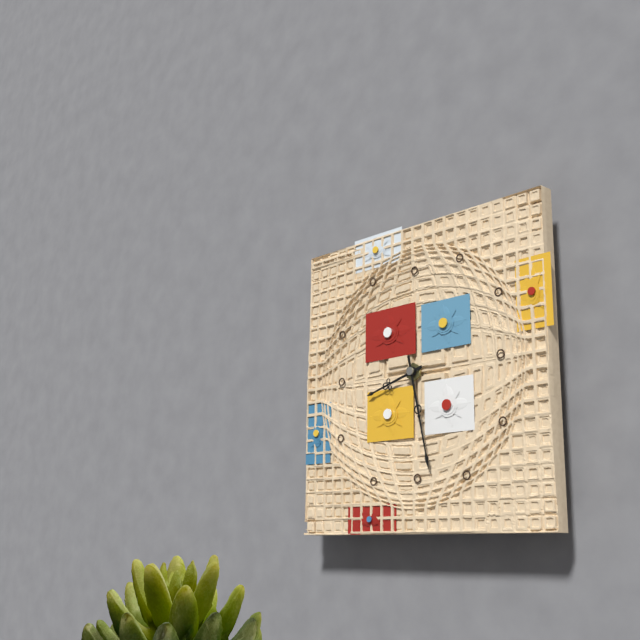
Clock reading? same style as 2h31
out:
8h28
